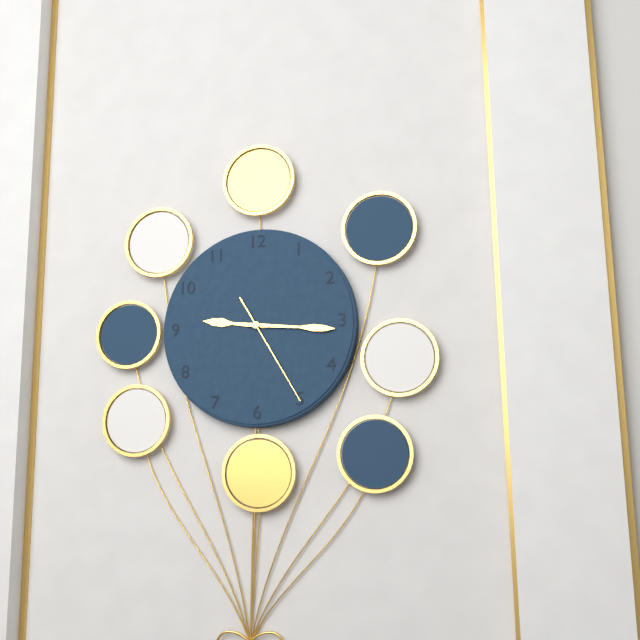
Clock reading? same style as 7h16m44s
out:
9h16m25s
